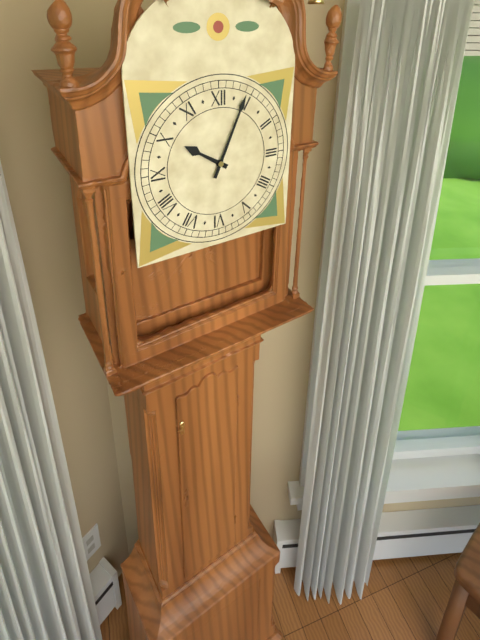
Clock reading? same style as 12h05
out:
10h04
